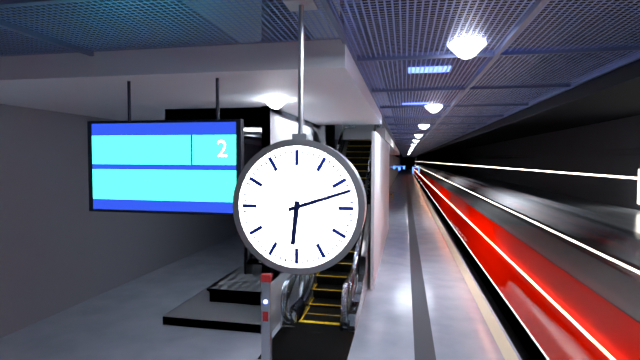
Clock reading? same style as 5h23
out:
6h12
